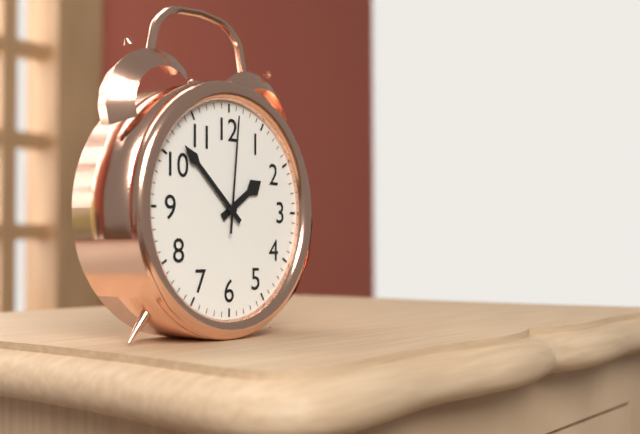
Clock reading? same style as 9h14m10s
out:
1h52m01s
